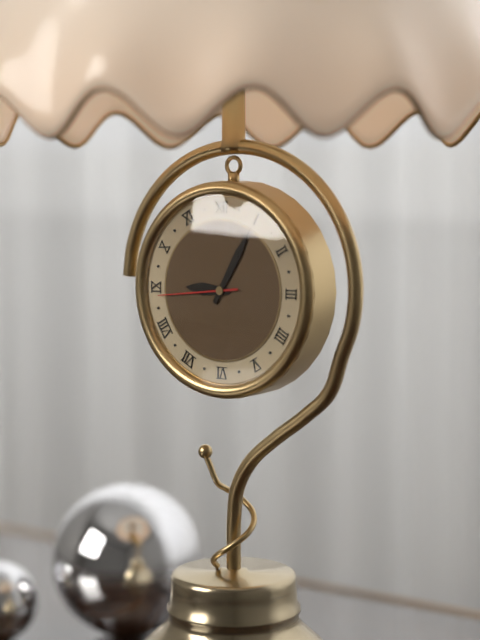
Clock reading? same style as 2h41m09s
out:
9h05m44s
